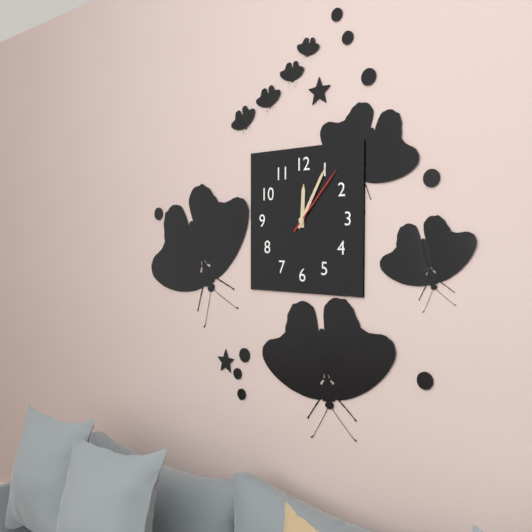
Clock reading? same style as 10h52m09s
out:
12h05m07s
